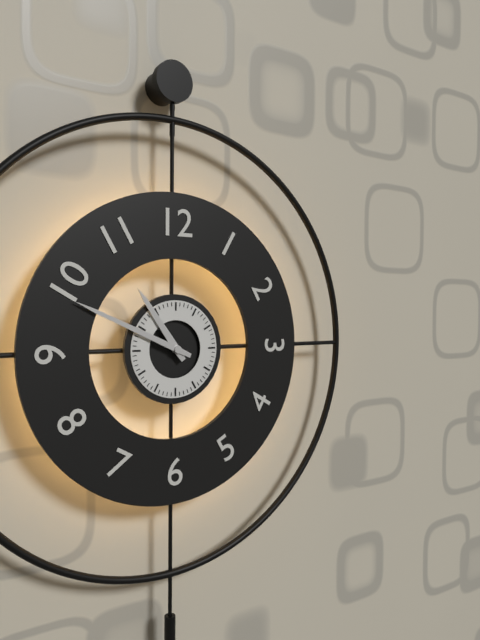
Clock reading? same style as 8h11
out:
10h49
